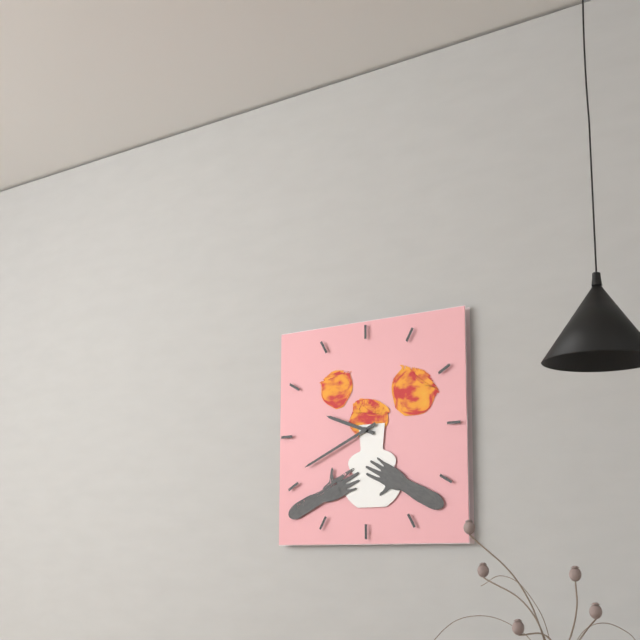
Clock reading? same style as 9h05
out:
9h41
